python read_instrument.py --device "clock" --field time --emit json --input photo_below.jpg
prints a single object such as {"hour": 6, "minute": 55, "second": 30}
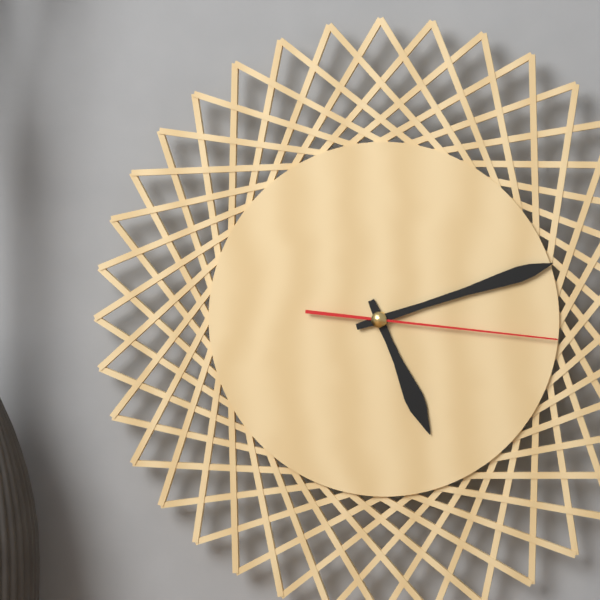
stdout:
{"hour": 5, "minute": 12, "second": 16}
